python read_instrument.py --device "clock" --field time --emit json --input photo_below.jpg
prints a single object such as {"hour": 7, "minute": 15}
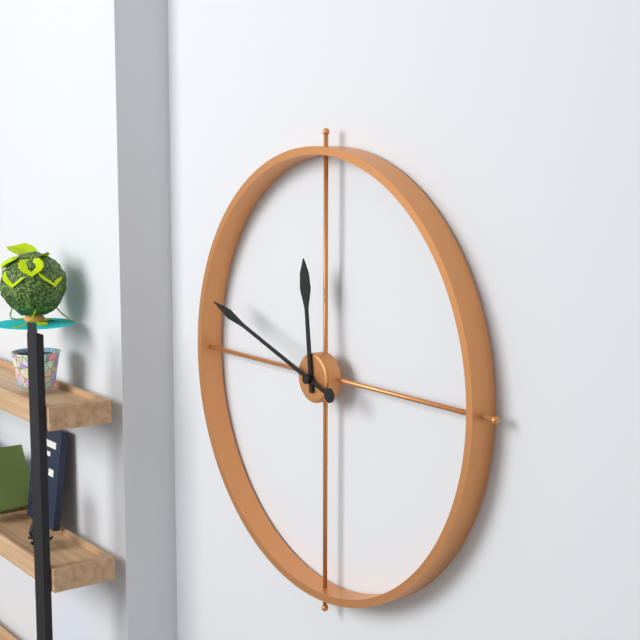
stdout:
{"hour": 11, "minute": 48}
